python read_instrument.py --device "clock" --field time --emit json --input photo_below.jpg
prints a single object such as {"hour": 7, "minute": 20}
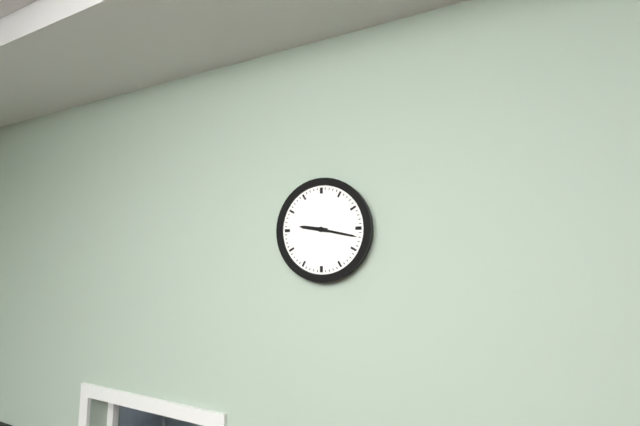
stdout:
{"hour": 9, "minute": 17}
